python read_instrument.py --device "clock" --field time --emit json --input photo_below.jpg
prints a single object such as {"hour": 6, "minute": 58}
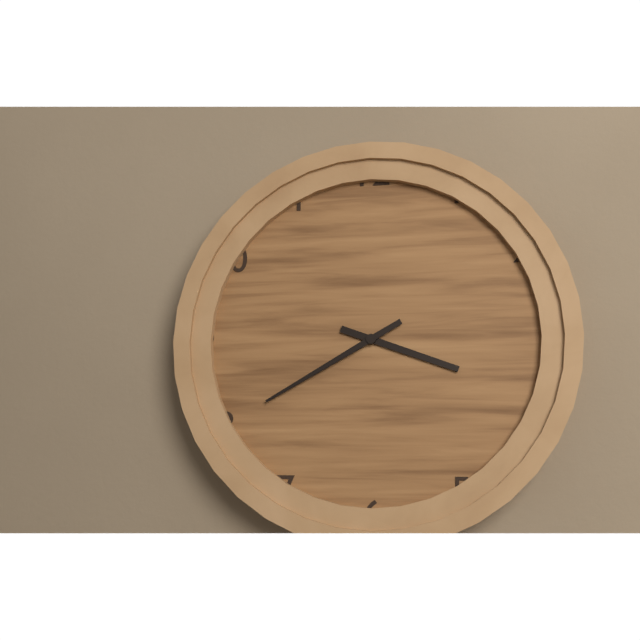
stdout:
{"hour": 3, "minute": 40}
